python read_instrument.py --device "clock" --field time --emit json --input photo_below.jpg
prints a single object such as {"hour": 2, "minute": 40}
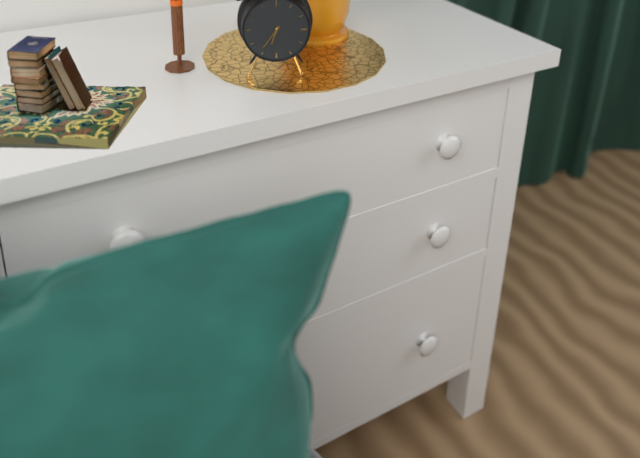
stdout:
{"hour": 6, "minute": 36}
